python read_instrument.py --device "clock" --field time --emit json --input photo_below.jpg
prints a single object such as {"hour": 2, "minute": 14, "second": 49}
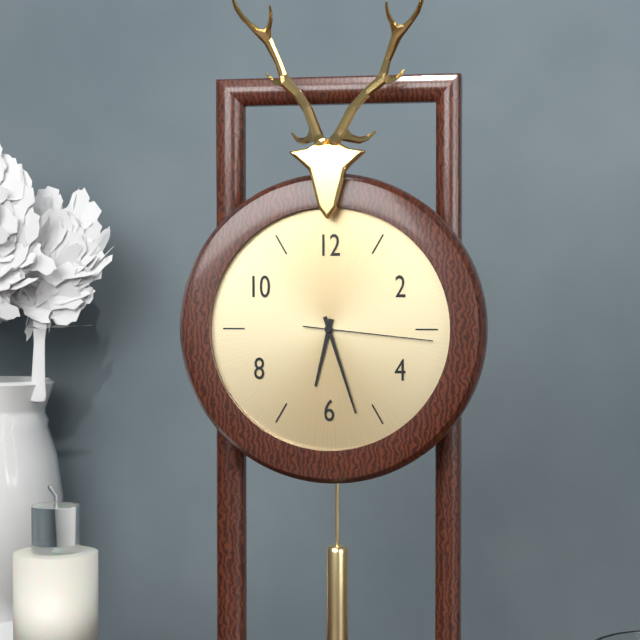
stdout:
{"hour": 6, "minute": 27, "second": 16}
